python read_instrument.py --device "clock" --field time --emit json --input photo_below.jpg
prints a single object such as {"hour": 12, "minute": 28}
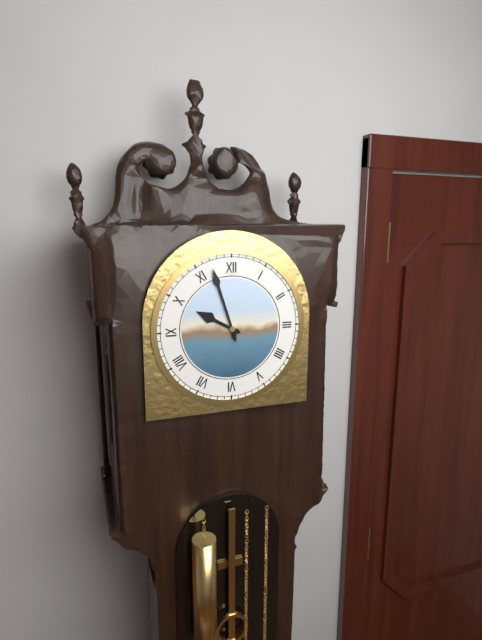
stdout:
{"hour": 9, "minute": 57}
